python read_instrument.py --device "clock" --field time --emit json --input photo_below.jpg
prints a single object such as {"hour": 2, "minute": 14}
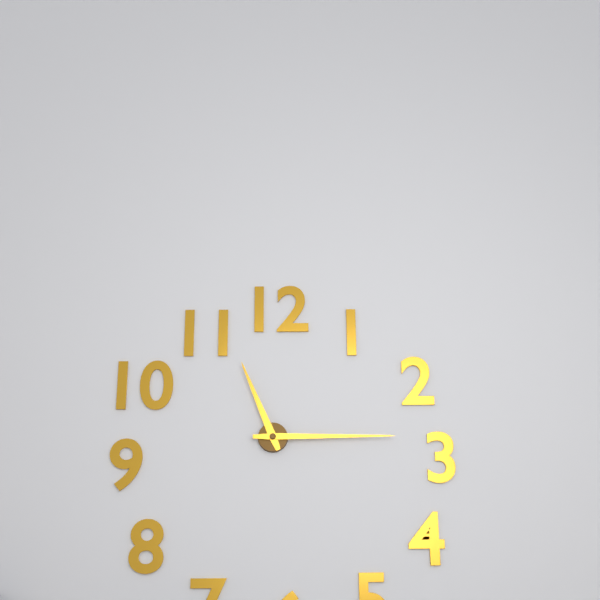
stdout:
{"hour": 11, "minute": 15}
